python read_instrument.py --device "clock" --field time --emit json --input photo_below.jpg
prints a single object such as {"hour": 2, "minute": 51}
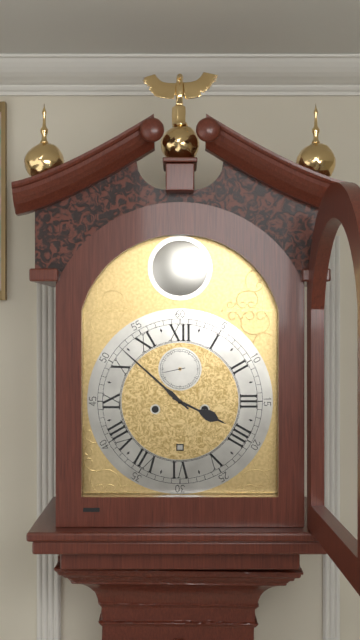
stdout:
{"hour": 3, "minute": 52}
